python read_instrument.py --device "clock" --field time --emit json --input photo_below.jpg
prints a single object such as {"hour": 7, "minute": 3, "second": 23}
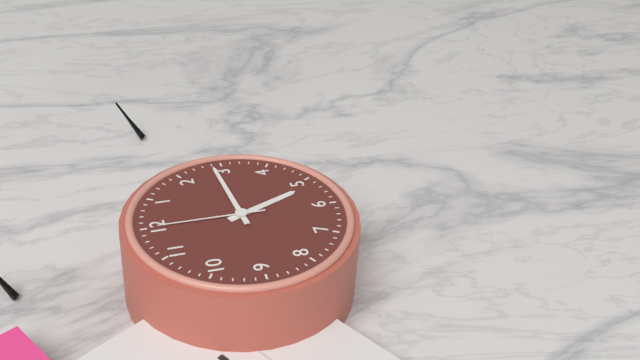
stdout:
{"hour": 5, "minute": 14, "second": 0}
